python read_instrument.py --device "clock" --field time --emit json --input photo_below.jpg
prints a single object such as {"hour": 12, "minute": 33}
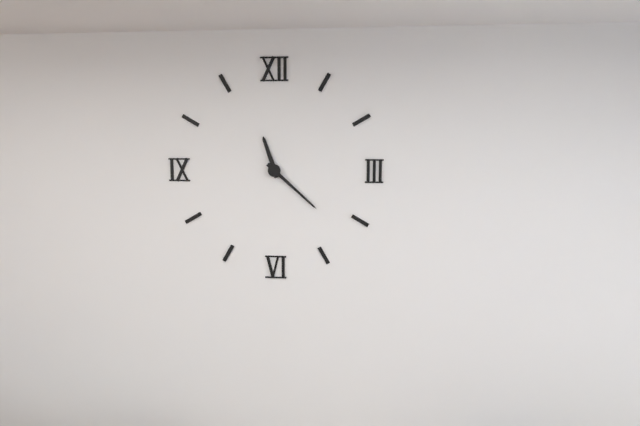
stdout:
{"hour": 11, "minute": 22}
